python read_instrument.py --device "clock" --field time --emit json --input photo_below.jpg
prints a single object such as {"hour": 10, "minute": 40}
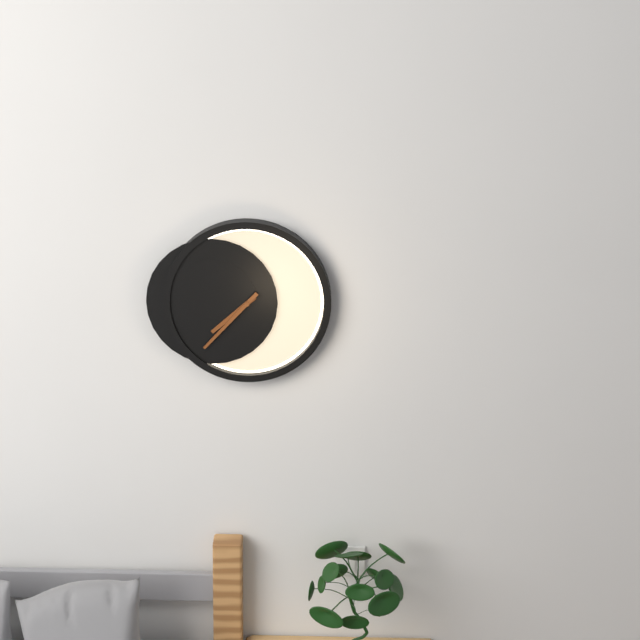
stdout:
{"hour": 7, "minute": 37}
